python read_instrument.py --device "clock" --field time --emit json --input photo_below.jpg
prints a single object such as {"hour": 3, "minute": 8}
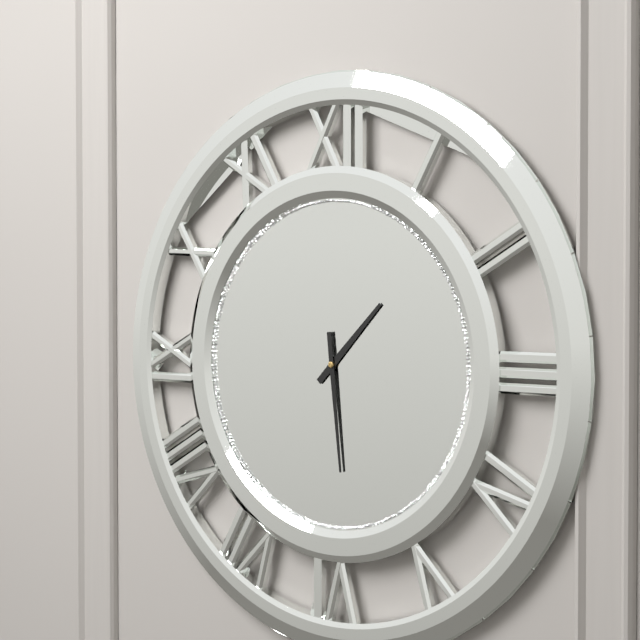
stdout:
{"hour": 1, "minute": 29}
